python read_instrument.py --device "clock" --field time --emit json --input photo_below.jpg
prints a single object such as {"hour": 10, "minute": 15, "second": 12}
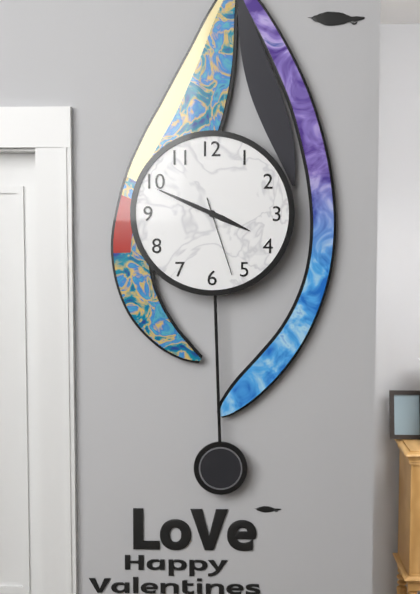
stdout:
{"hour": 3, "minute": 49, "second": 27}
